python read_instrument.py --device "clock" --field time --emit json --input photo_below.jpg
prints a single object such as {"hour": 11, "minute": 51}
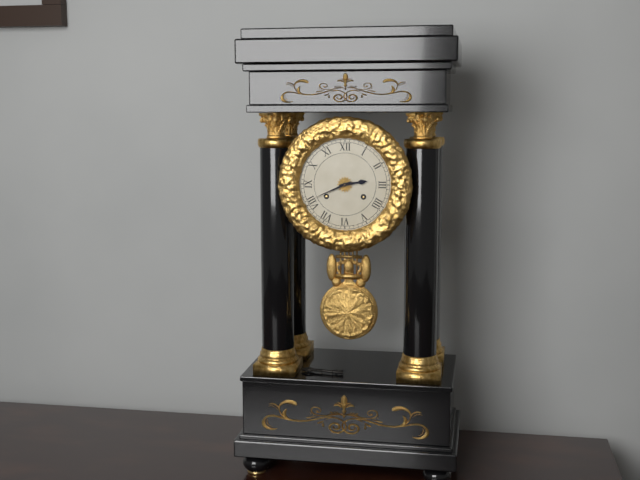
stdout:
{"hour": 2, "minute": 41}
